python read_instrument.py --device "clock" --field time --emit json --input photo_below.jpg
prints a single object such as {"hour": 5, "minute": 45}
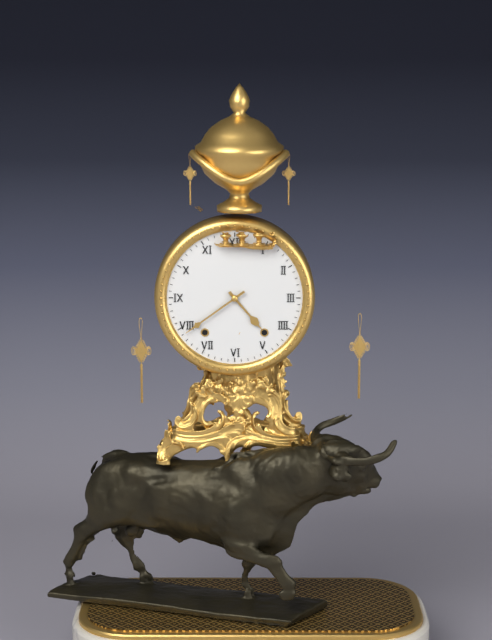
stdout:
{"hour": 4, "minute": 39}
